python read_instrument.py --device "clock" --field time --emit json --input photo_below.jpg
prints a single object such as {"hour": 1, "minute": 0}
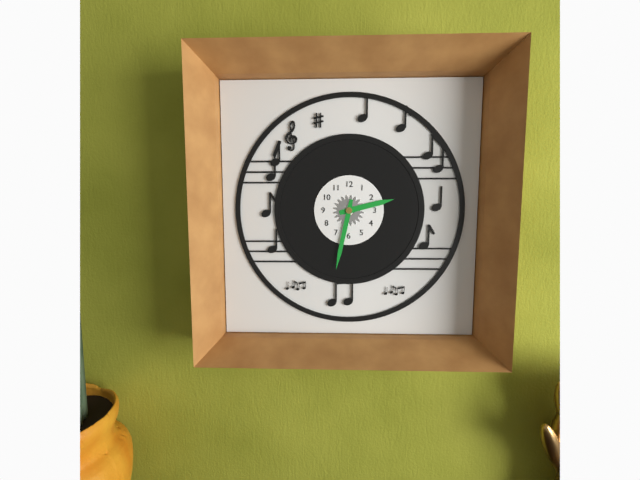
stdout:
{"hour": 2, "minute": 32}
